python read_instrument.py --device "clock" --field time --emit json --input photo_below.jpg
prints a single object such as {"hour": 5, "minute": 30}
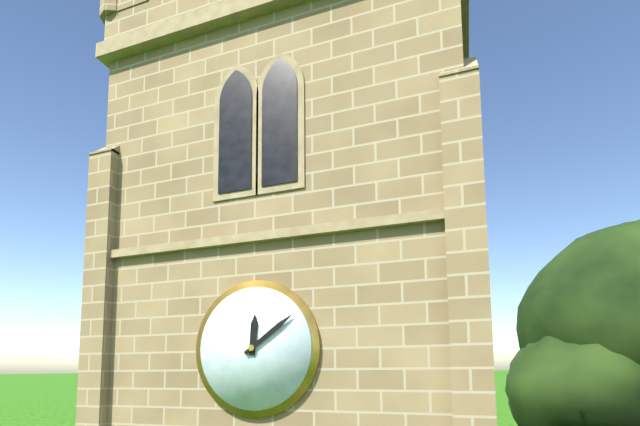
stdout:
{"hour": 12, "minute": 9}
